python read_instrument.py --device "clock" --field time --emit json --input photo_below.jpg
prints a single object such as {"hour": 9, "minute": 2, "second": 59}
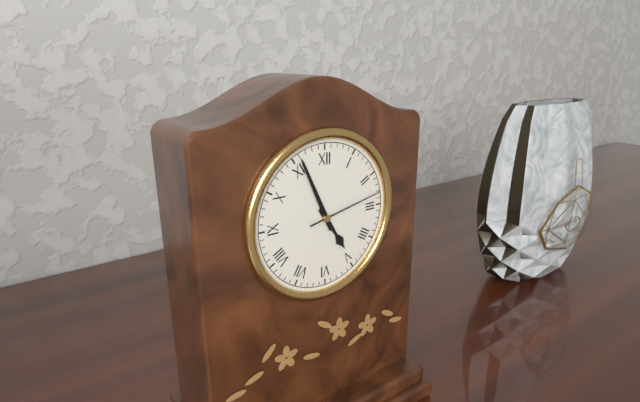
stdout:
{"hour": 4, "minute": 56, "second": 13}
